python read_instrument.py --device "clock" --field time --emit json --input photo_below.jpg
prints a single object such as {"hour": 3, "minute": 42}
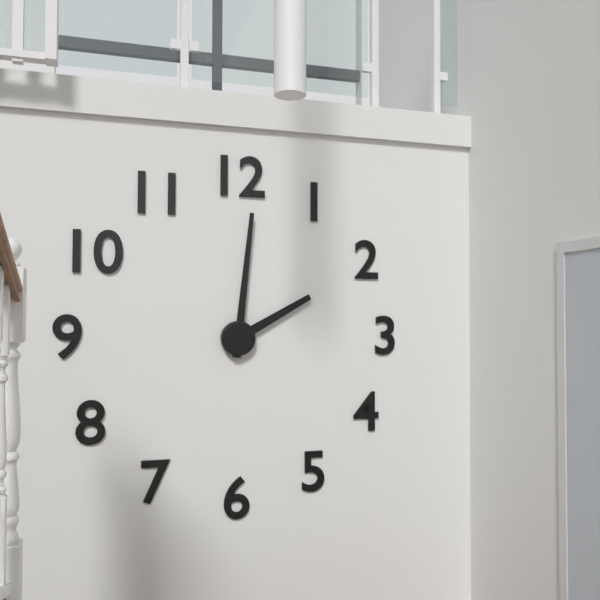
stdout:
{"hour": 2, "minute": 1}
